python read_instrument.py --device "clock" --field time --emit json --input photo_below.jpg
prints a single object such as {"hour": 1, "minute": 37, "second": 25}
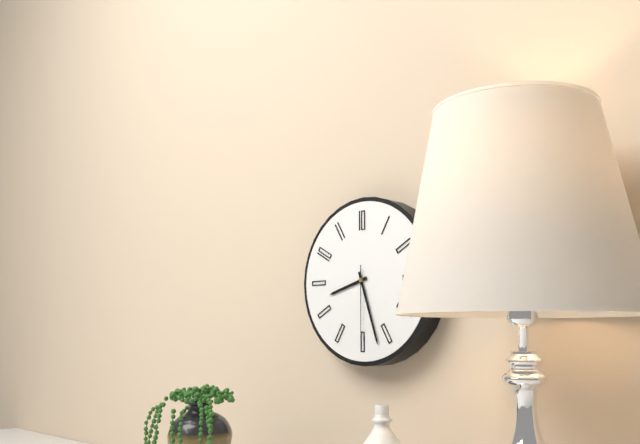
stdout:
{"hour": 8, "minute": 27, "second": 30}
